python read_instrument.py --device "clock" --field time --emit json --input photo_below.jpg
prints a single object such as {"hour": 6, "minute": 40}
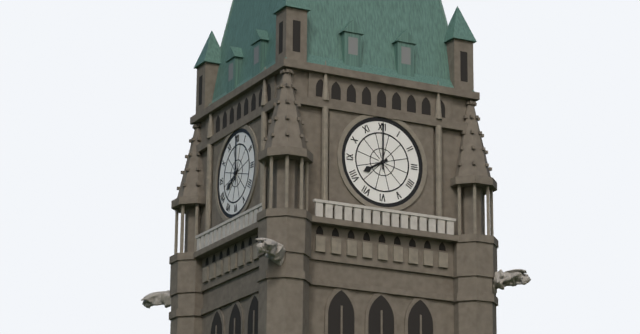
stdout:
{"hour": 8, "minute": 0}
